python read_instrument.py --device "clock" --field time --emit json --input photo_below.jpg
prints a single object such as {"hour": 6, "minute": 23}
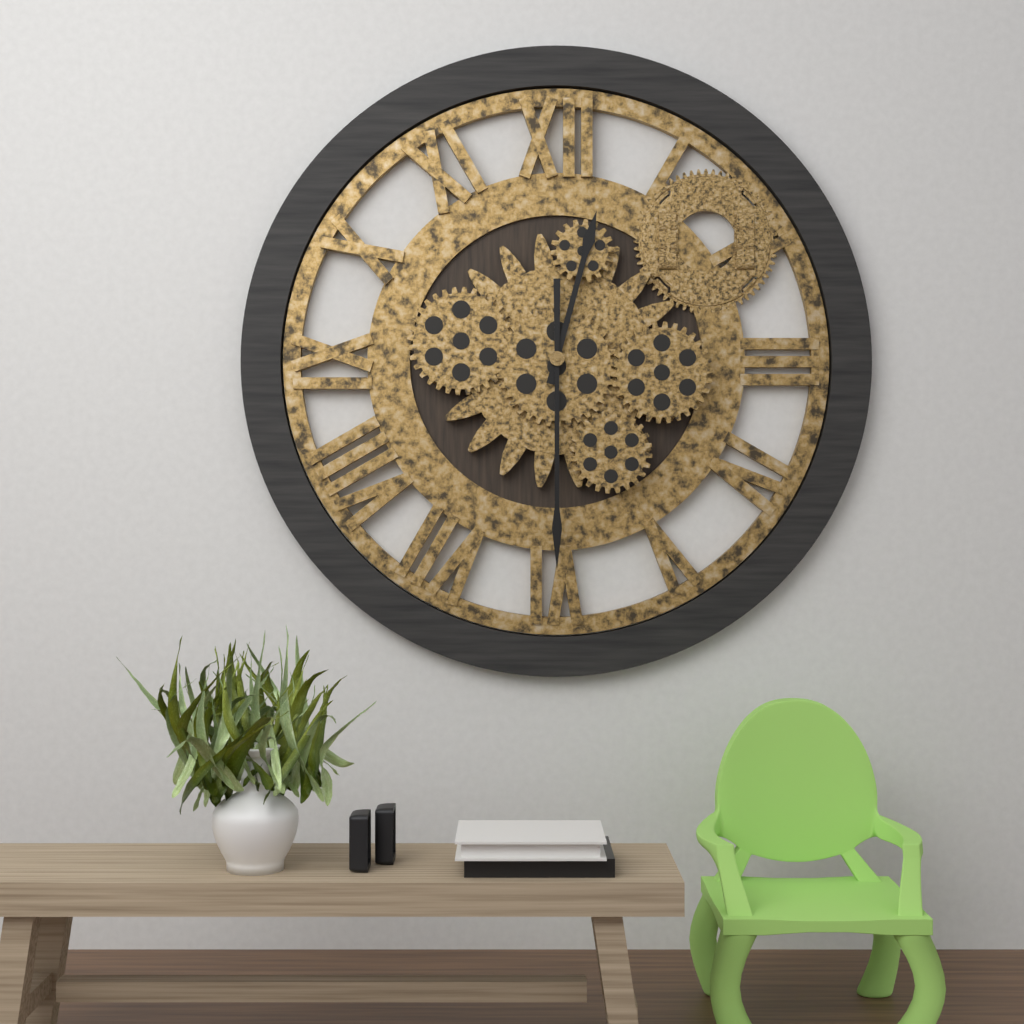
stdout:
{"hour": 12, "minute": 30}
